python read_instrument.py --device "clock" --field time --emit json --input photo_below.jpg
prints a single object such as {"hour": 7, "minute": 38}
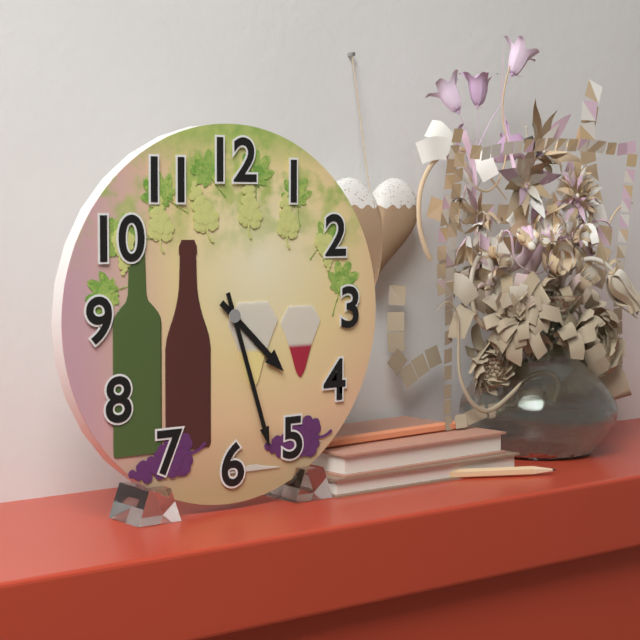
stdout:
{"hour": 4, "minute": 27}
